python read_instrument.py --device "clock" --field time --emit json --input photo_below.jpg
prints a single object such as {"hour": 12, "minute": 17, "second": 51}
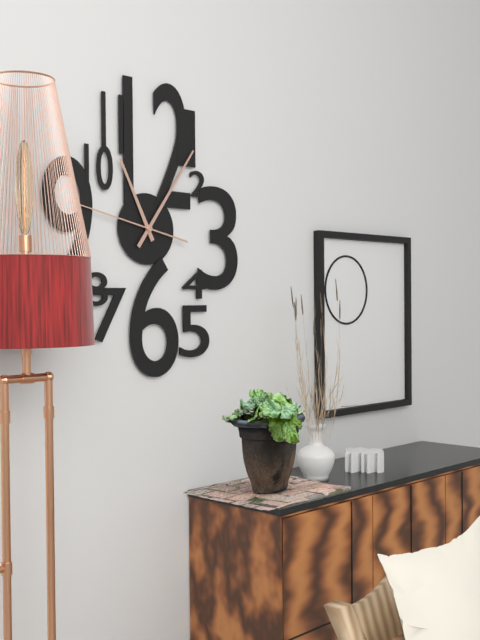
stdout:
{"hour": 11, "minute": 6, "second": 47}
